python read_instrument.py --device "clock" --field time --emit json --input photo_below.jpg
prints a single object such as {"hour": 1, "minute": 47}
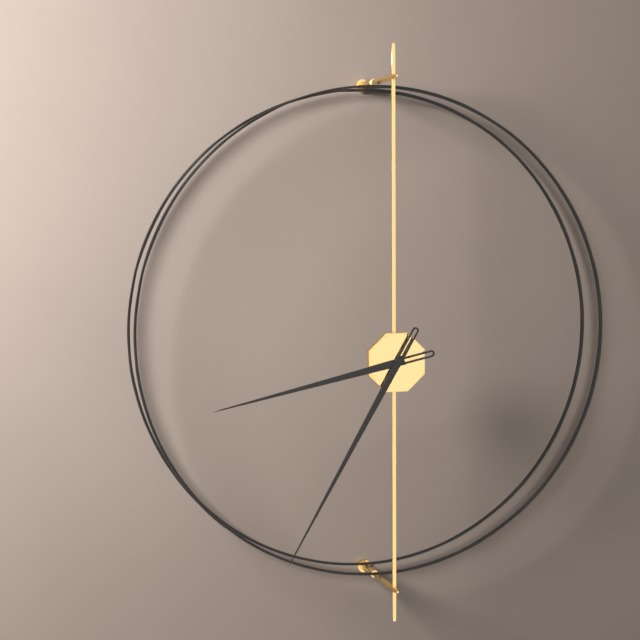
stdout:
{"hour": 8, "minute": 35}
